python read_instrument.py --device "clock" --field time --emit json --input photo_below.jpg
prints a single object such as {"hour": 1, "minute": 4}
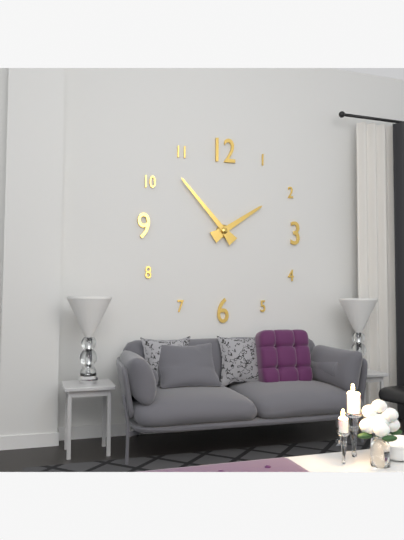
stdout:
{"hour": 1, "minute": 53}
